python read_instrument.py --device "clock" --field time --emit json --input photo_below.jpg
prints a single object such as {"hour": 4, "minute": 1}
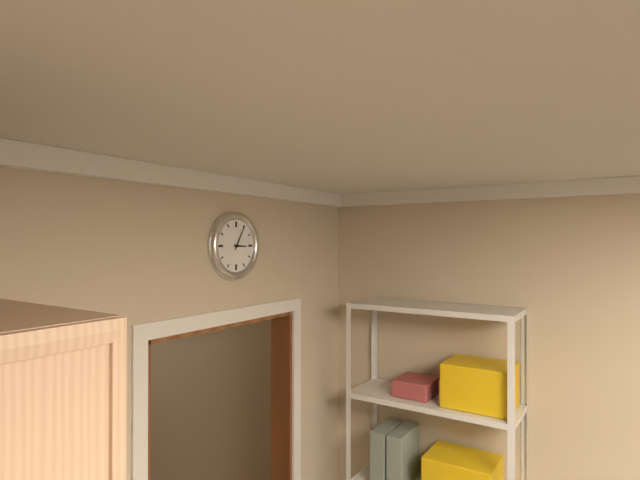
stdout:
{"hour": 3, "minute": 5}
